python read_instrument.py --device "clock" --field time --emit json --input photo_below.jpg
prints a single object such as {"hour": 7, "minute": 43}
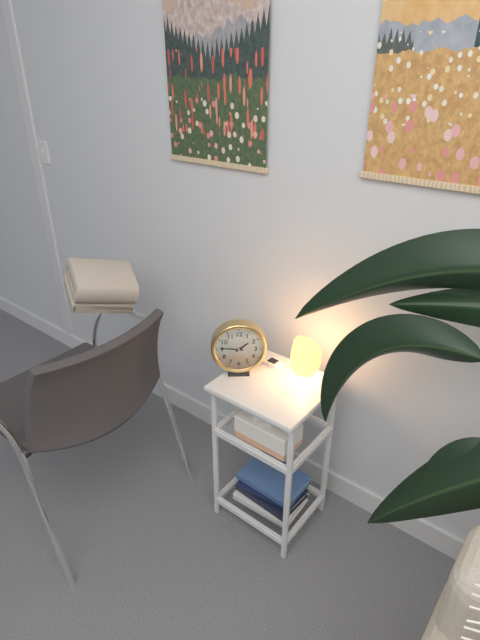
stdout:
{"hour": 1, "minute": 46}
